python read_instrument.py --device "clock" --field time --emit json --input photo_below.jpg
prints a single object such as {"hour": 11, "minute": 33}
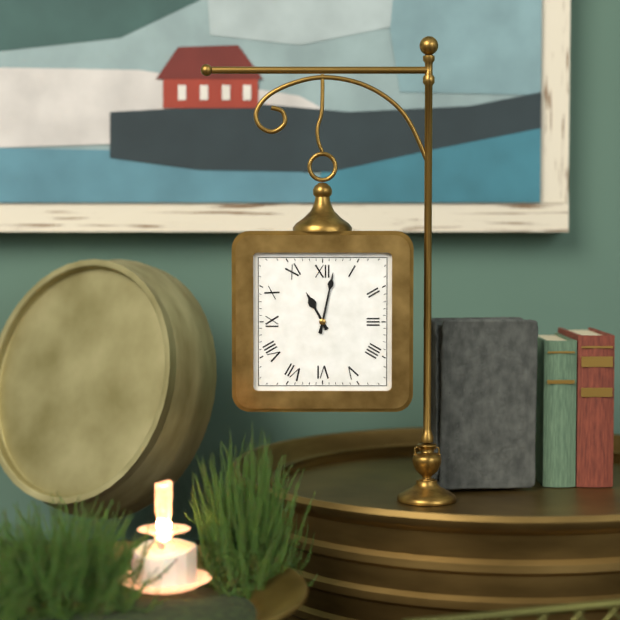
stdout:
{"hour": 11, "minute": 2}
